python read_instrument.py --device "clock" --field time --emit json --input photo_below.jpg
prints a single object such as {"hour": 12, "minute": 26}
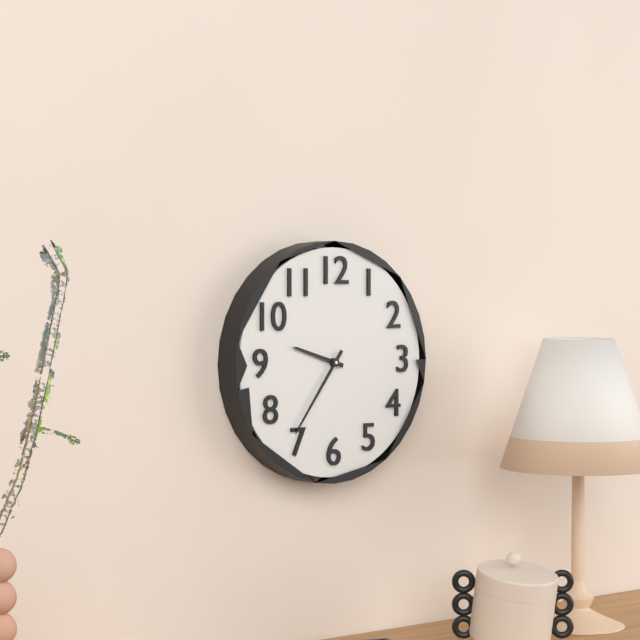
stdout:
{"hour": 9, "minute": 36}
